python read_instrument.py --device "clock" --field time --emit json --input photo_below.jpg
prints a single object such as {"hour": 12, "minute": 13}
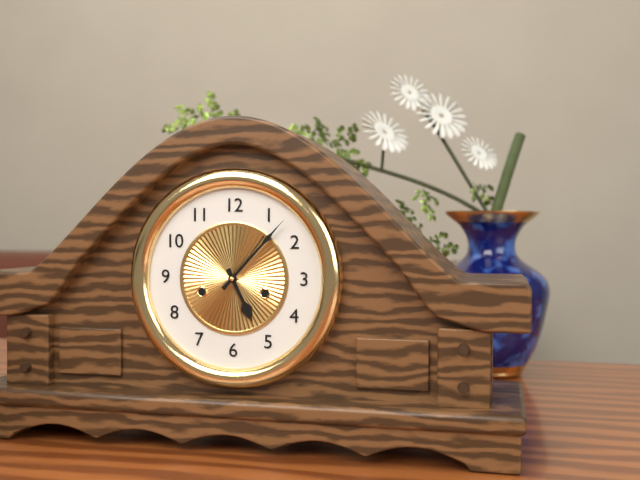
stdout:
{"hour": 5, "minute": 7}
